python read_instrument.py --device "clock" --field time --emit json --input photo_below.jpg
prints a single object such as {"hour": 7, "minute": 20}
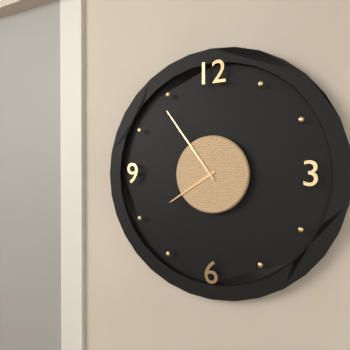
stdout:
{"hour": 7, "minute": 54}
